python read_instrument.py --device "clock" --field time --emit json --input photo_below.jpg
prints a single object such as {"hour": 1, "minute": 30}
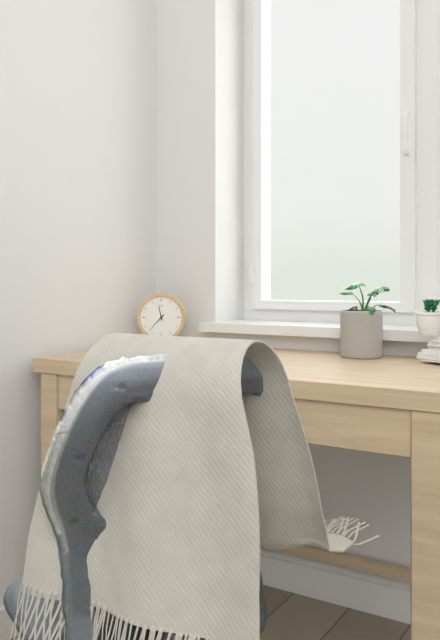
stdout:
{"hour": 11, "minute": 37}
